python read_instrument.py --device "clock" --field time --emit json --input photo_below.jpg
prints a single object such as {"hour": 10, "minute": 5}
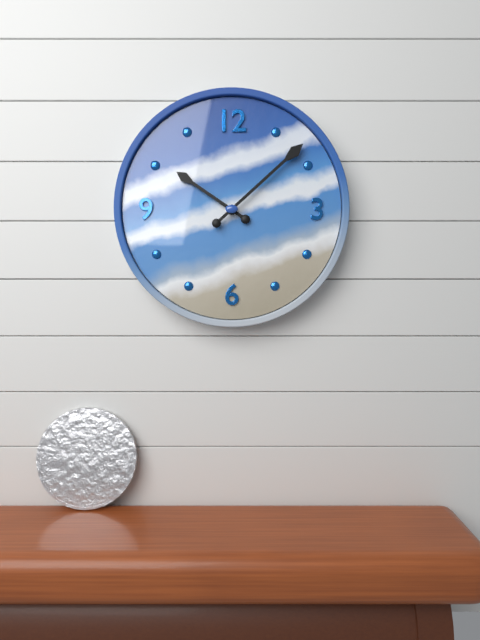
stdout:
{"hour": 10, "minute": 8}
